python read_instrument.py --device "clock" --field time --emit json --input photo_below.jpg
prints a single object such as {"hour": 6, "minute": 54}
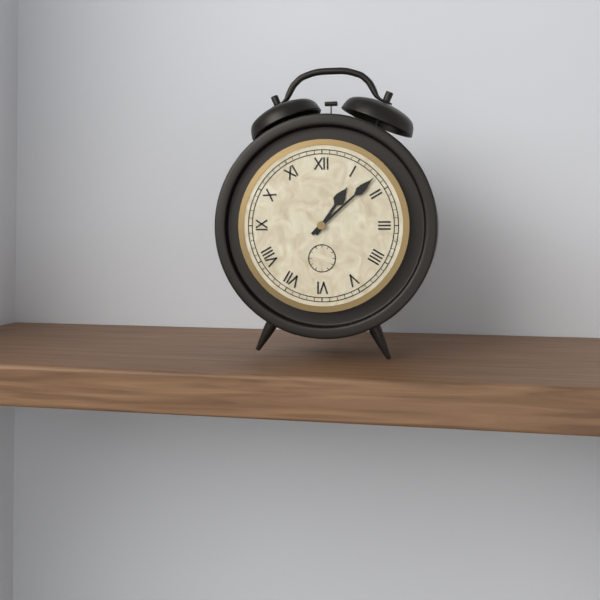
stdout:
{"hour": 1, "minute": 8}
